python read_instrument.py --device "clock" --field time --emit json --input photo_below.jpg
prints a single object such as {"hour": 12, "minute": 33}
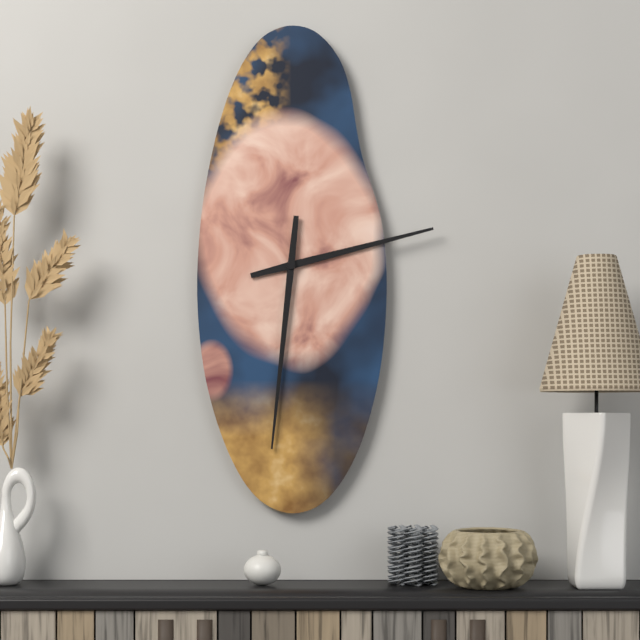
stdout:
{"hour": 2, "minute": 31}
